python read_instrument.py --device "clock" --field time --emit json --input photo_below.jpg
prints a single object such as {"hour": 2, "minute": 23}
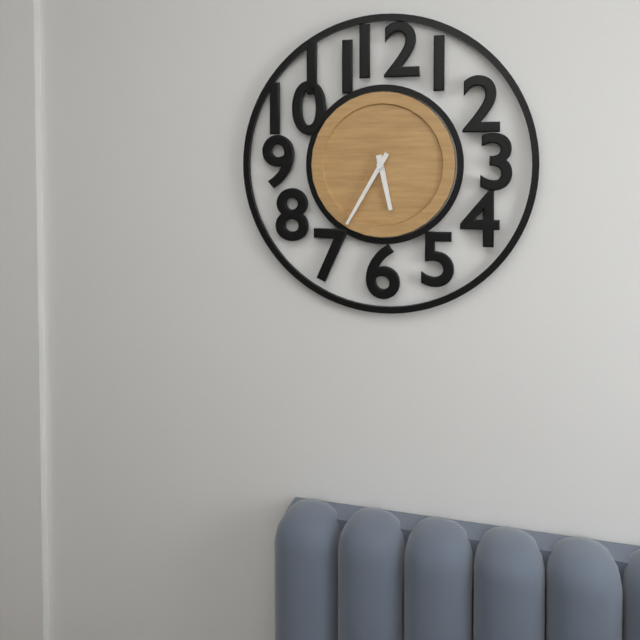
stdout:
{"hour": 5, "minute": 35}
